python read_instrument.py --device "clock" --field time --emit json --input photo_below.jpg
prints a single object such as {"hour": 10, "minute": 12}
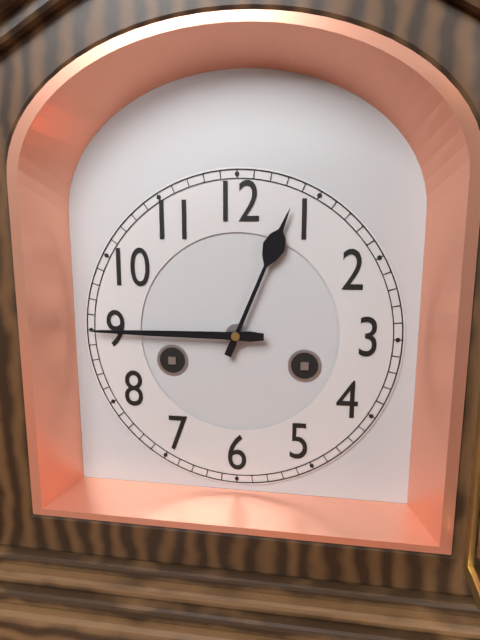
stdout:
{"hour": 12, "minute": 45}
